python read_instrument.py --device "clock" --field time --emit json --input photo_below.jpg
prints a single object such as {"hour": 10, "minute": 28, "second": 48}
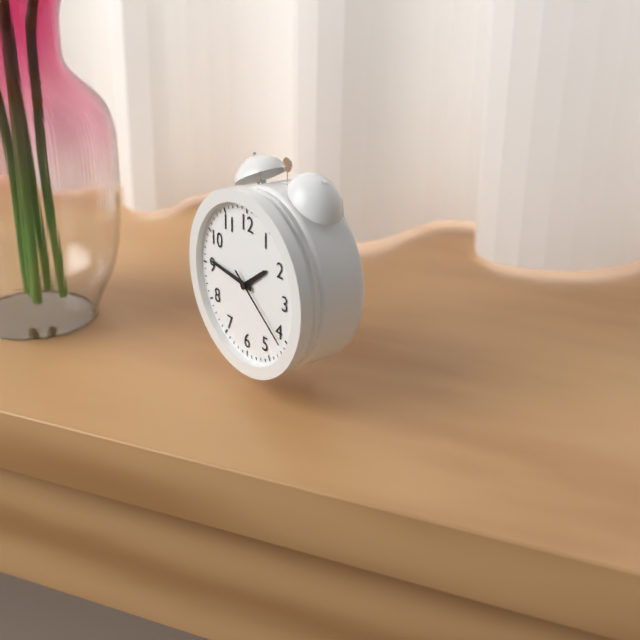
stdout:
{"hour": 1, "minute": 46, "second": 21}
